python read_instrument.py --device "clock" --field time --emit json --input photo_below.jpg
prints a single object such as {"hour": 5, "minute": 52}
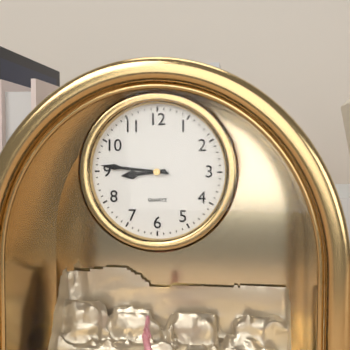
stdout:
{"hour": 8, "minute": 46}
